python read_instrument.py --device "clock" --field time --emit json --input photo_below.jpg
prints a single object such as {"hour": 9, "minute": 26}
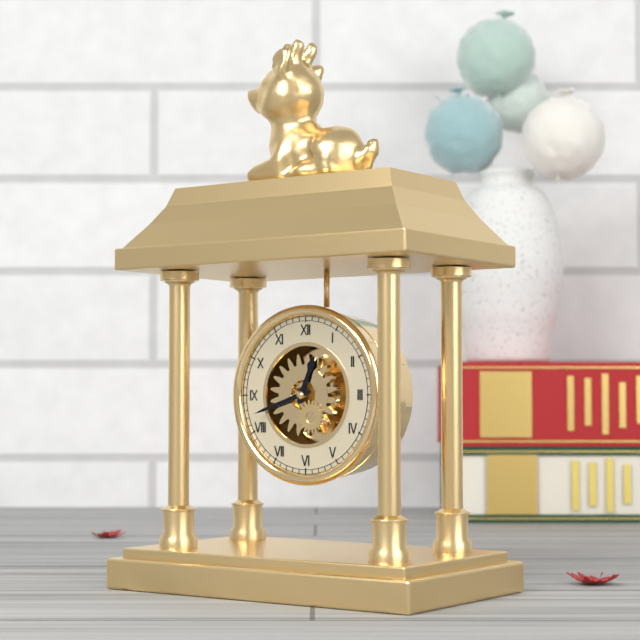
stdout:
{"hour": 12, "minute": 42}
